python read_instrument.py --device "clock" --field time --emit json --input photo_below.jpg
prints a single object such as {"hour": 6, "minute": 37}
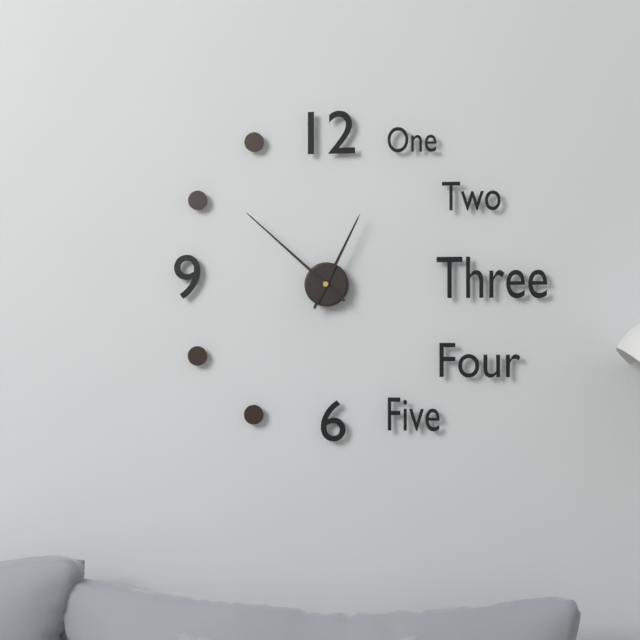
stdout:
{"hour": 12, "minute": 52}
